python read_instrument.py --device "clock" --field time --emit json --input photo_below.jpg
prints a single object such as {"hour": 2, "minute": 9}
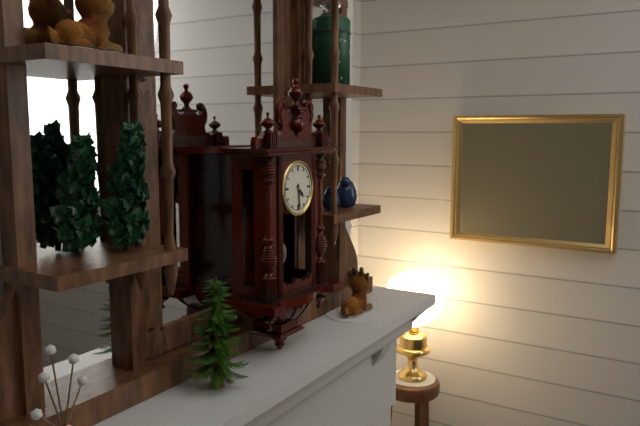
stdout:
{"hour": 4, "minute": 29}
